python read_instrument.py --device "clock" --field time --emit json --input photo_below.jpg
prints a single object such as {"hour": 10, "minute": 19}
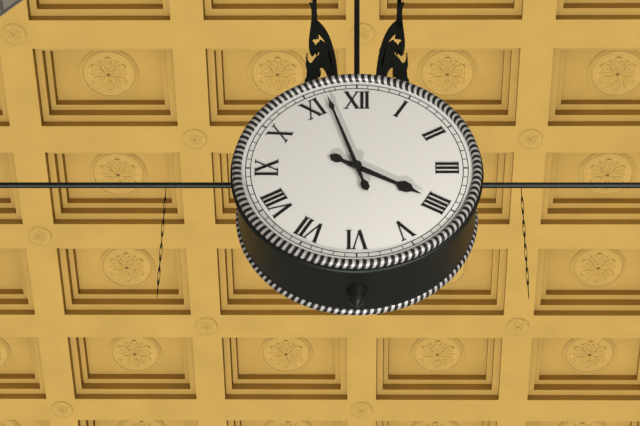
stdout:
{"hour": 3, "minute": 57}
